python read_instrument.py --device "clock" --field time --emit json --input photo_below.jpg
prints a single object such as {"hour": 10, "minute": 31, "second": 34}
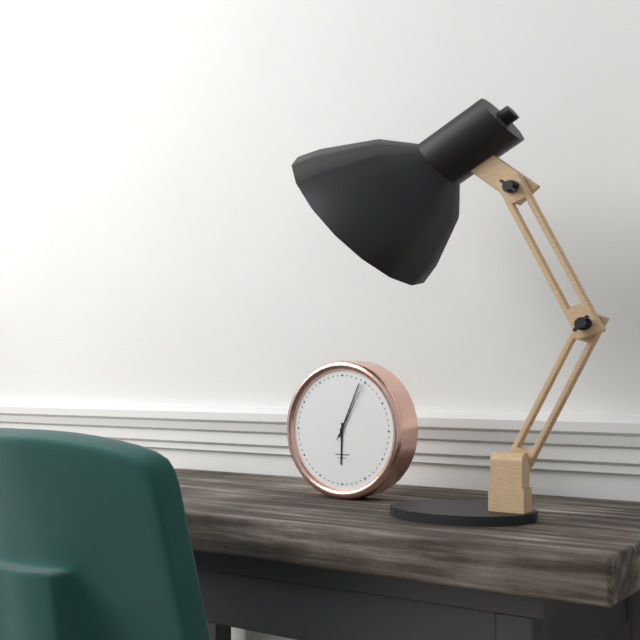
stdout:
{"hour": 6, "minute": 4, "second": 5}
